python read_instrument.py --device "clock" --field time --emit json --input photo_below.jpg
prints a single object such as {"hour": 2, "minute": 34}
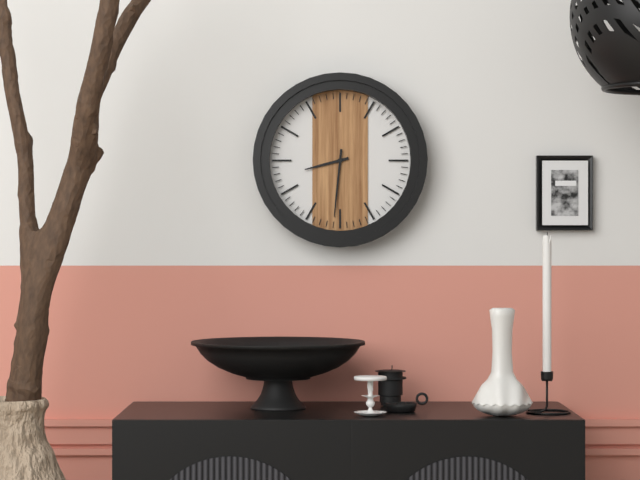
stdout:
{"hour": 8, "minute": 31}
